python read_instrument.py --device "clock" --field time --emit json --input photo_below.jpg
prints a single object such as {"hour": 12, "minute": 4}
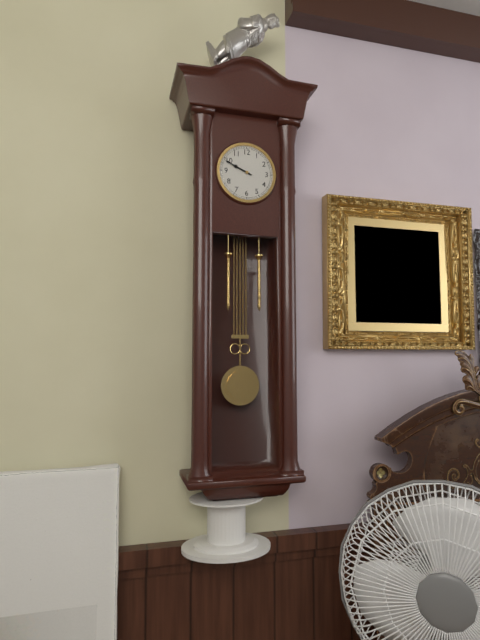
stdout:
{"hour": 9, "minute": 49}
